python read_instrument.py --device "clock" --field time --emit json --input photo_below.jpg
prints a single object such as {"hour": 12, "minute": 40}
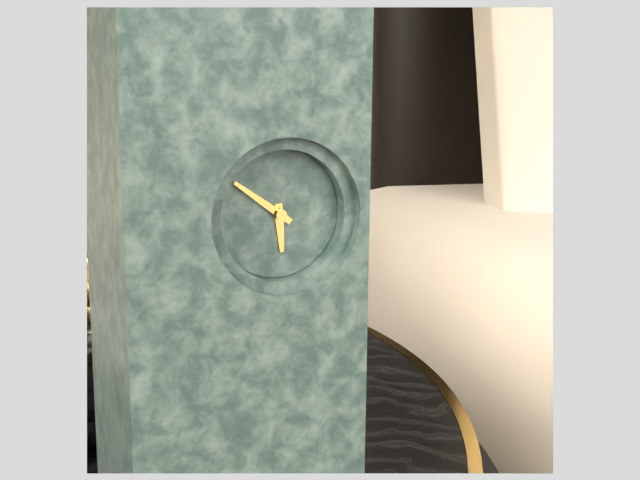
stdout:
{"hour": 5, "minute": 51}
